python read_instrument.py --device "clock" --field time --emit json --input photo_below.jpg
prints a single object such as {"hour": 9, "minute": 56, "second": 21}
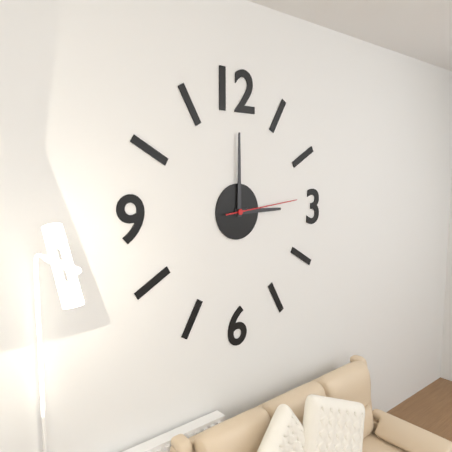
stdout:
{"hour": 3, "minute": 0, "second": 14}
